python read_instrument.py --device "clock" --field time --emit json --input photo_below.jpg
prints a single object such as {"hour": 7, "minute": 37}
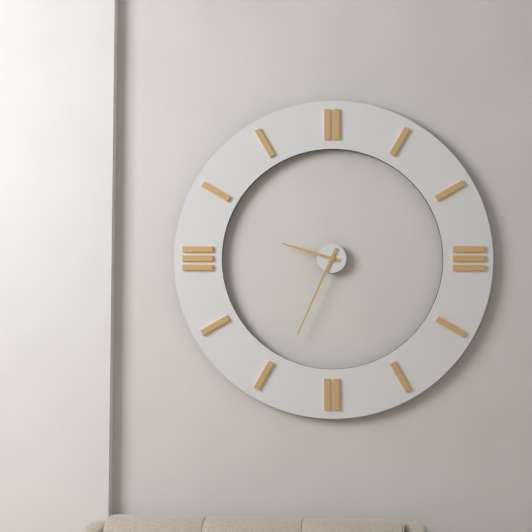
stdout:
{"hour": 9, "minute": 34}
